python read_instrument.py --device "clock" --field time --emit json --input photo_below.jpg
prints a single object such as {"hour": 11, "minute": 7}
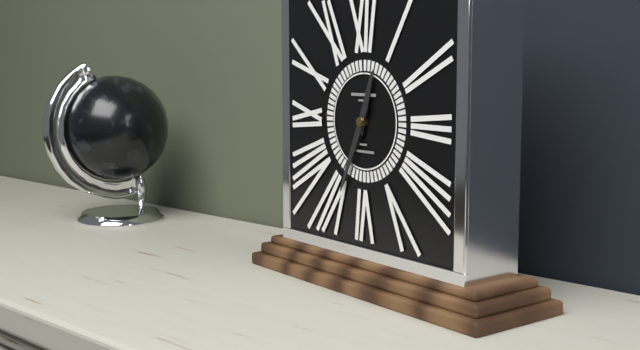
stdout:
{"hour": 12, "minute": 34}
